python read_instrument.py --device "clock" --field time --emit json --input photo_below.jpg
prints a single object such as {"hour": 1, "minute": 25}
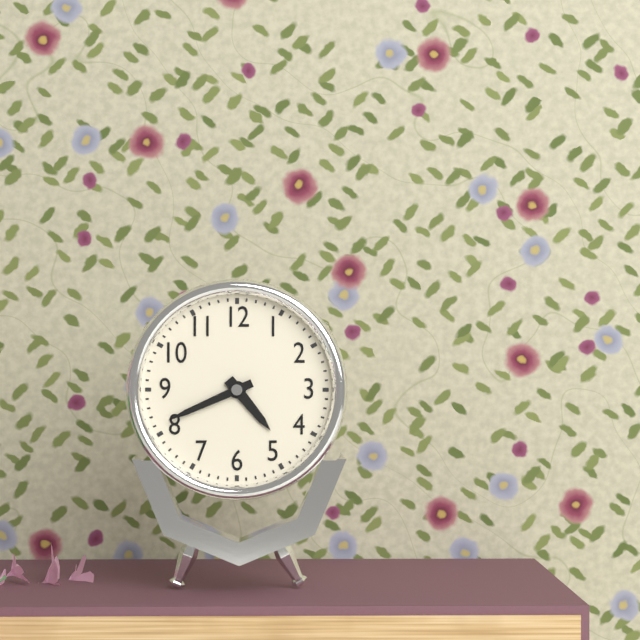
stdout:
{"hour": 4, "minute": 41}
